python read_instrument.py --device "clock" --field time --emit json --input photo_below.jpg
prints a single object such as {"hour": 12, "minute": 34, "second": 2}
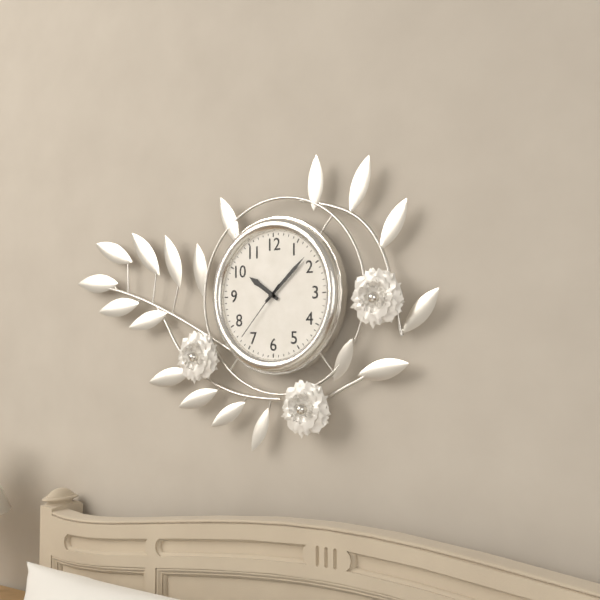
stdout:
{"hour": 10, "minute": 8, "second": 37}
